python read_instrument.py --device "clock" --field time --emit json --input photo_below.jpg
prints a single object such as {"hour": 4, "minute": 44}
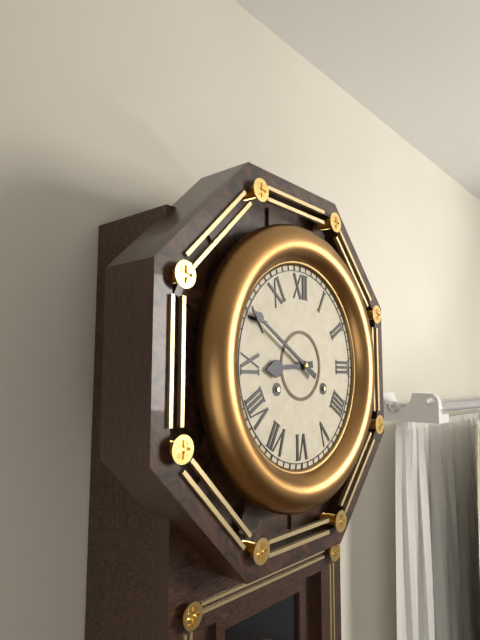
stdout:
{"hour": 8, "minute": 50}
